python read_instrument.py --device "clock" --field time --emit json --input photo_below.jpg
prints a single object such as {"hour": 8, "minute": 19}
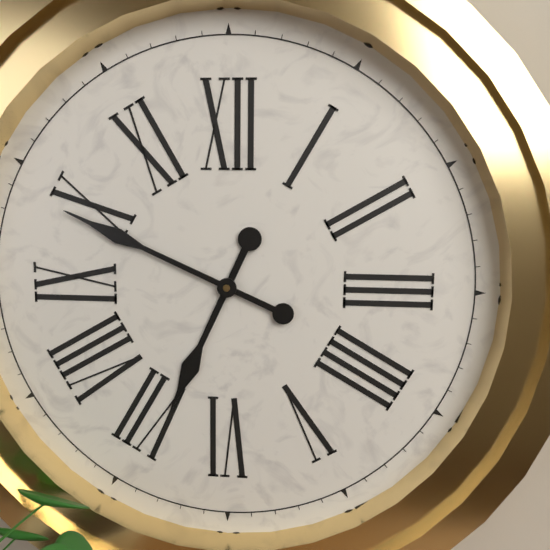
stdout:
{"hour": 6, "minute": 49}
